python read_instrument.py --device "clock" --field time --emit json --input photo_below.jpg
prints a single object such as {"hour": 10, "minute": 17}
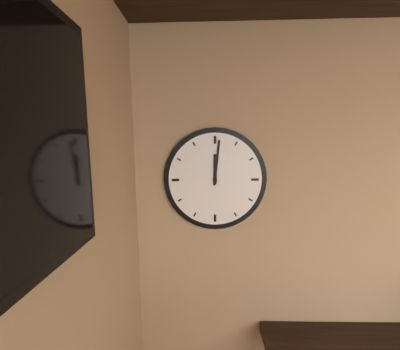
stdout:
{"hour": 12, "minute": 1}
